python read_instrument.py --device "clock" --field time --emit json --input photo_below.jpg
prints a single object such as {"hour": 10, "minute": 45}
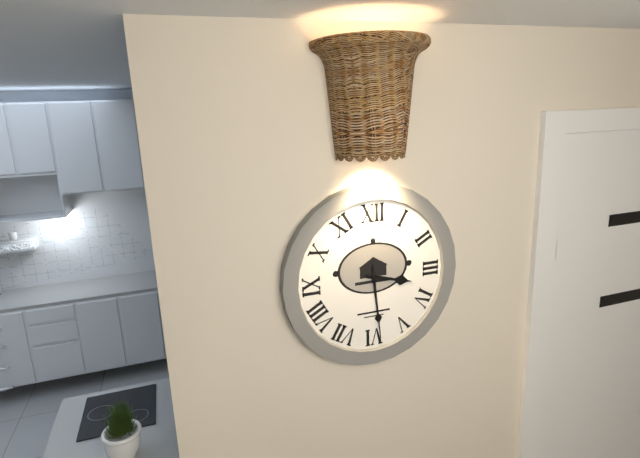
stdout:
{"hour": 3, "minute": 29}
